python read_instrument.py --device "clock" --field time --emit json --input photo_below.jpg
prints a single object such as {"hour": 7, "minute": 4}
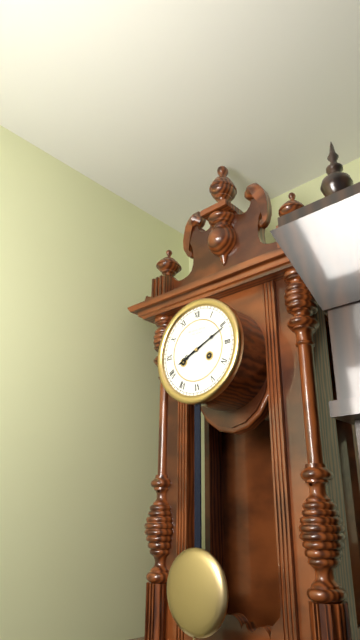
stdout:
{"hour": 8, "minute": 11}
